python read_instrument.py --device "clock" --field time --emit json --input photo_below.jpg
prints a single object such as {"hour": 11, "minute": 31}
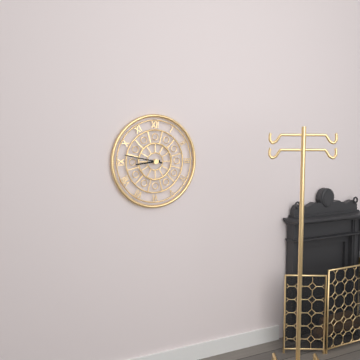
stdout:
{"hour": 8, "minute": 47}
